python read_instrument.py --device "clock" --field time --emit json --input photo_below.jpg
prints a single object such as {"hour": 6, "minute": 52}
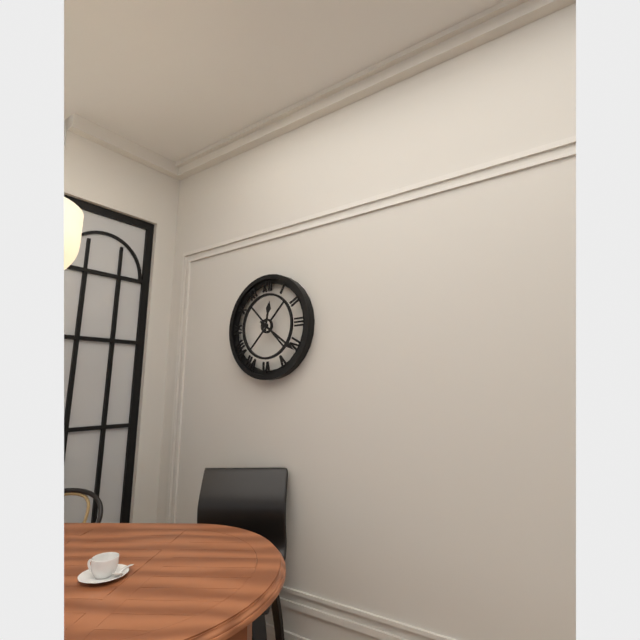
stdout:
{"hour": 12, "minute": 21}
